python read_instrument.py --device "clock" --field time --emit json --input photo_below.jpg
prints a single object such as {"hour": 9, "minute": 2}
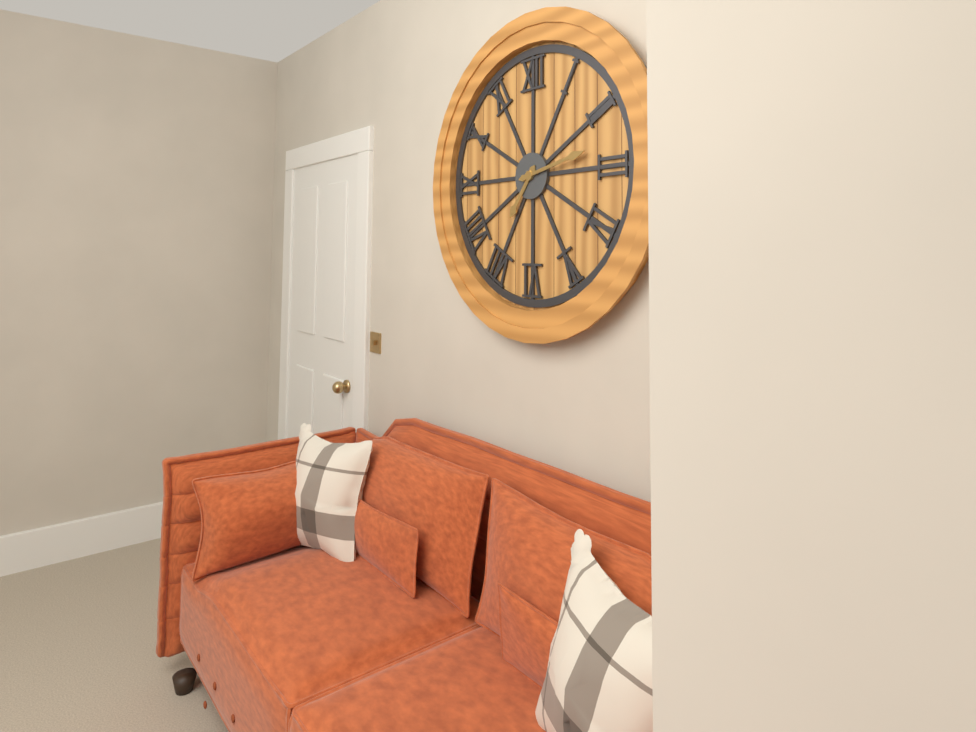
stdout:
{"hour": 7, "minute": 13}
